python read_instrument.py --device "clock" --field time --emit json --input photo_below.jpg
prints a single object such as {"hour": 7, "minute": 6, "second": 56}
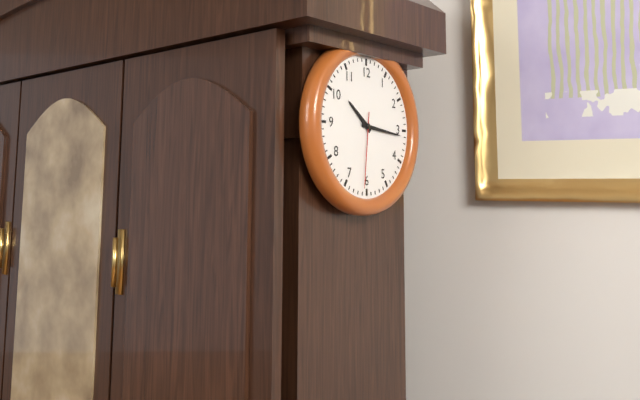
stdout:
{"hour": 10, "minute": 16, "second": 31}
